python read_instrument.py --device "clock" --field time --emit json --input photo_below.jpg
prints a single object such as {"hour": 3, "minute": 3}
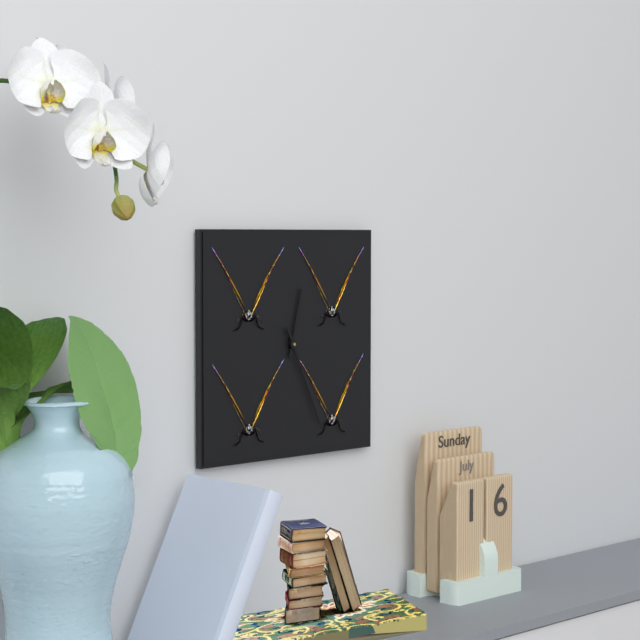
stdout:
{"hour": 12, "minute": 26}
